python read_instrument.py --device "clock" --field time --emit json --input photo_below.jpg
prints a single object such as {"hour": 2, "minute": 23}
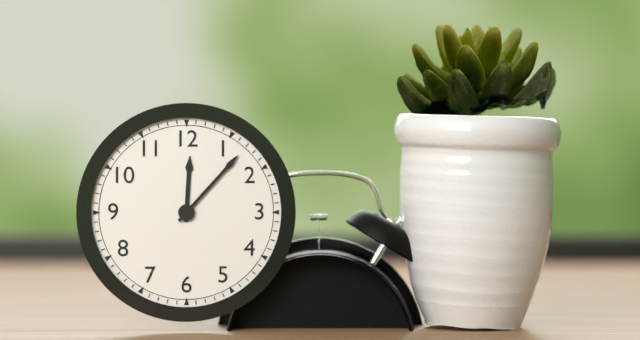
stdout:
{"hour": 12, "minute": 7}
